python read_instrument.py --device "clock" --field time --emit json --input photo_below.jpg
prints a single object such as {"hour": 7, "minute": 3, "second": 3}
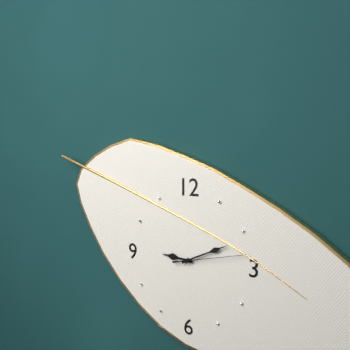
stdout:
{"hour": 9, "minute": 11, "second": 13}
